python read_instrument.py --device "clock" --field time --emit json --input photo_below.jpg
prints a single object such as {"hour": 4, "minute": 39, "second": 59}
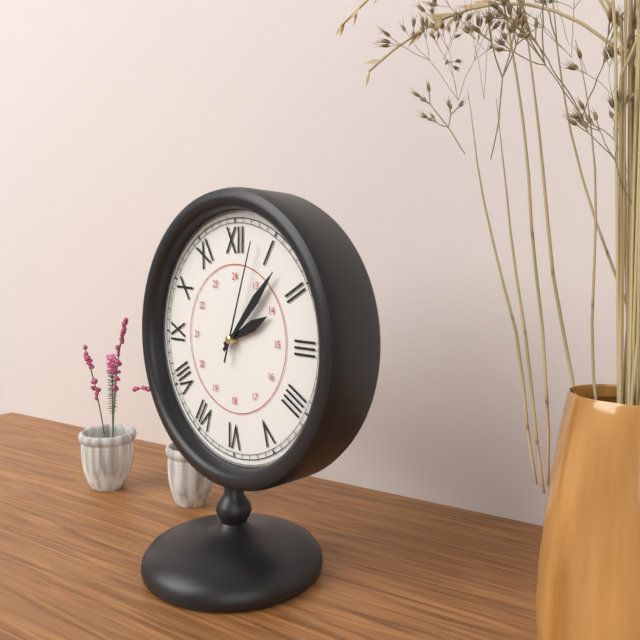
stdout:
{"hour": 2, "minute": 7, "second": 3}
